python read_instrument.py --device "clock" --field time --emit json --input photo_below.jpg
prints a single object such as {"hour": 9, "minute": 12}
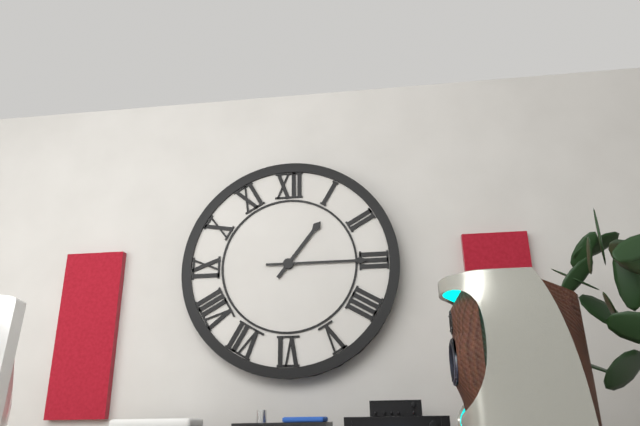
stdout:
{"hour": 1, "minute": 15}
